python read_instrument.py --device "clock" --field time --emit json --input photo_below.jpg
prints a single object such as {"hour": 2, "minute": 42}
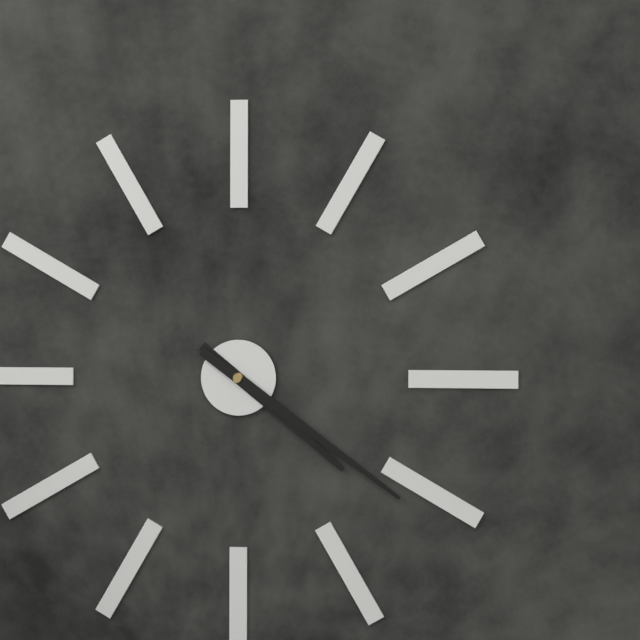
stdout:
{"hour": 4, "minute": 21}
